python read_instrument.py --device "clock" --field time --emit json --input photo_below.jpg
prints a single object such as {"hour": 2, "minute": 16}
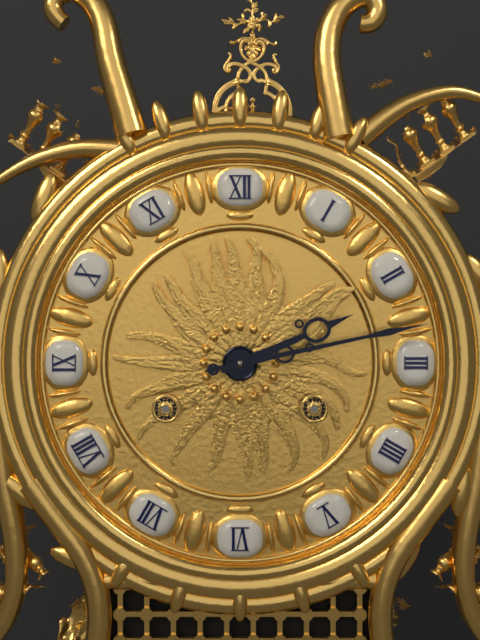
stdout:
{"hour": 2, "minute": 13}
